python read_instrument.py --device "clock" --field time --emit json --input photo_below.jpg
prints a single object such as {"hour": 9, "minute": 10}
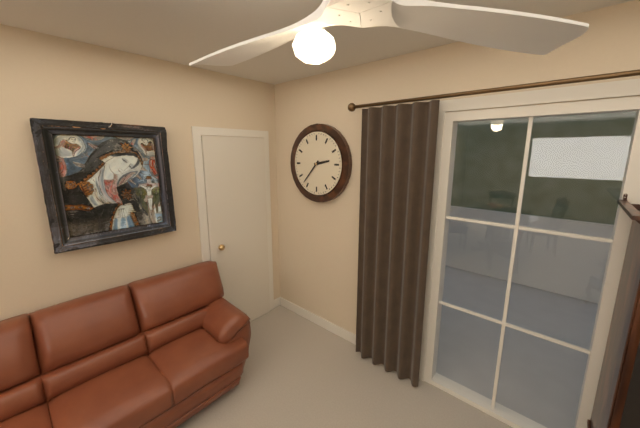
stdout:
{"hour": 2, "minute": 37}
